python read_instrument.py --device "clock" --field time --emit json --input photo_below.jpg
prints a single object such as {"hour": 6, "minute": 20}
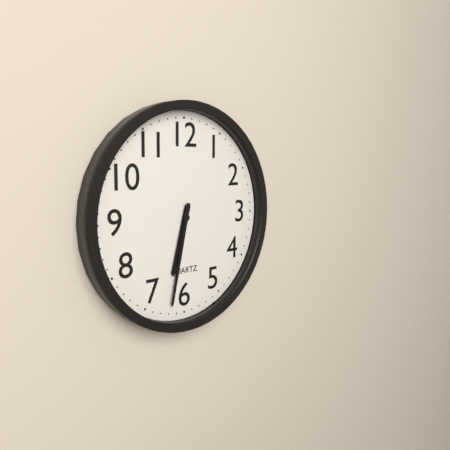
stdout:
{"hour": 6, "minute": 32}
